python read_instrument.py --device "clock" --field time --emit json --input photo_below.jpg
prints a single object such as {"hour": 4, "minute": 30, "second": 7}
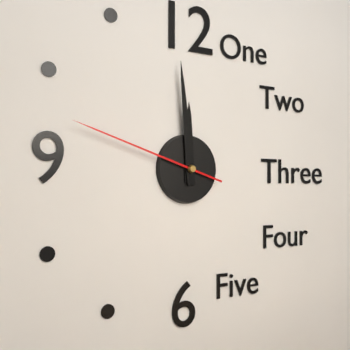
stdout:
{"hour": 11, "minute": 59, "second": 48}
